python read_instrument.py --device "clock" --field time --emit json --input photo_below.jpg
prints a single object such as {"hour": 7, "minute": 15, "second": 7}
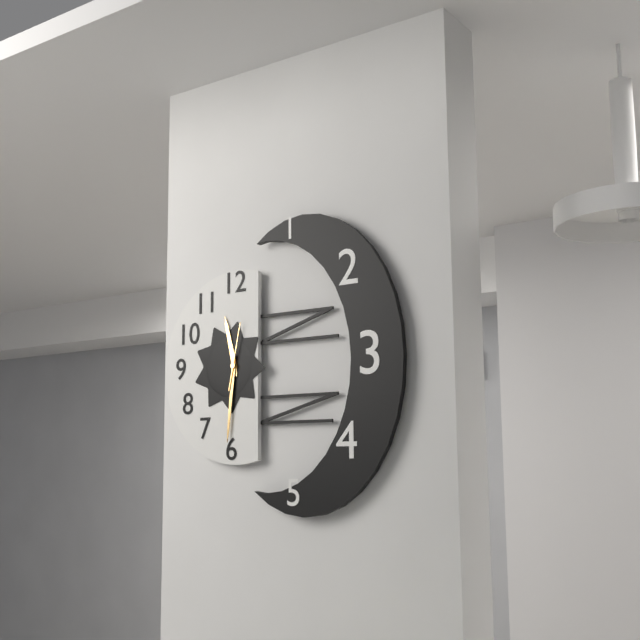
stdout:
{"hour": 11, "minute": 31, "second": 2}
